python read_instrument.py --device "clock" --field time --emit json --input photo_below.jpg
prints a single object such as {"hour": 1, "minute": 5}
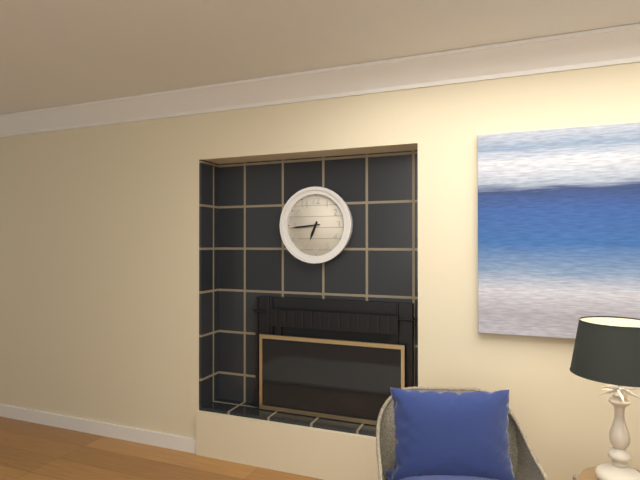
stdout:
{"hour": 6, "minute": 44}
